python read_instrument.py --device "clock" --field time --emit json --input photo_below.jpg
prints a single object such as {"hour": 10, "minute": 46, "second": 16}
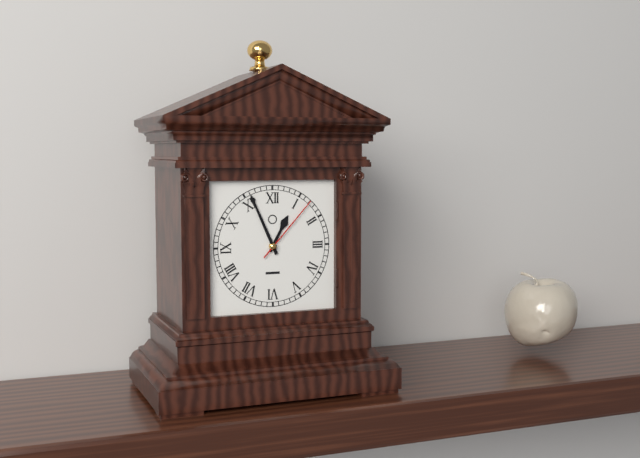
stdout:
{"hour": 12, "minute": 56, "second": 7}
